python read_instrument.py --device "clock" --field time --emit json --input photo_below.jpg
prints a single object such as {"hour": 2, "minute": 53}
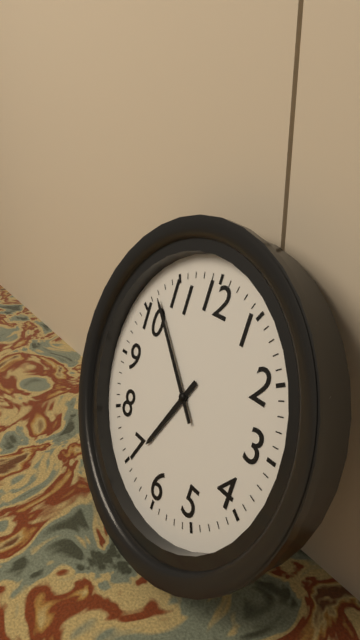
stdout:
{"hour": 6, "minute": 52}
